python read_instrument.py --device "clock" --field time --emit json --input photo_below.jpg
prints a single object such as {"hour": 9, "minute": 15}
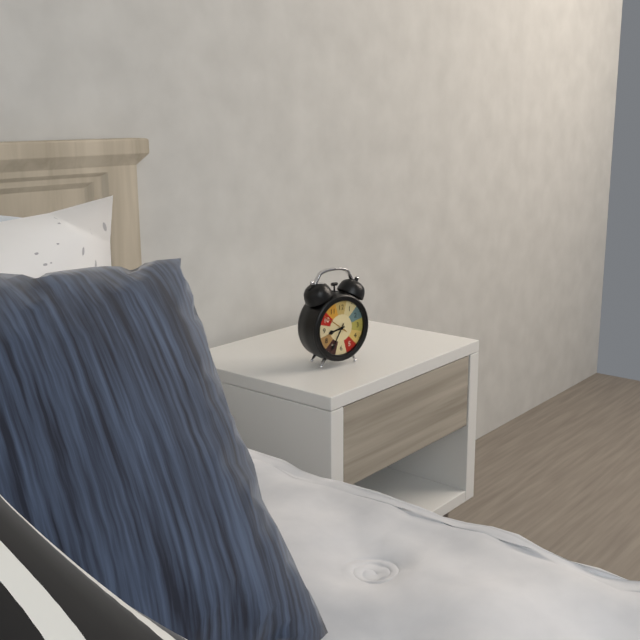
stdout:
{"hour": 8, "minute": 35}
